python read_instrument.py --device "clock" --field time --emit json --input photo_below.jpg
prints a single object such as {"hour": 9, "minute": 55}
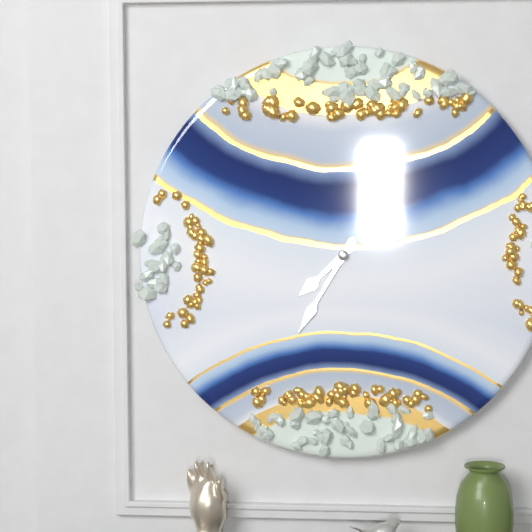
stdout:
{"hour": 7, "minute": 35}
